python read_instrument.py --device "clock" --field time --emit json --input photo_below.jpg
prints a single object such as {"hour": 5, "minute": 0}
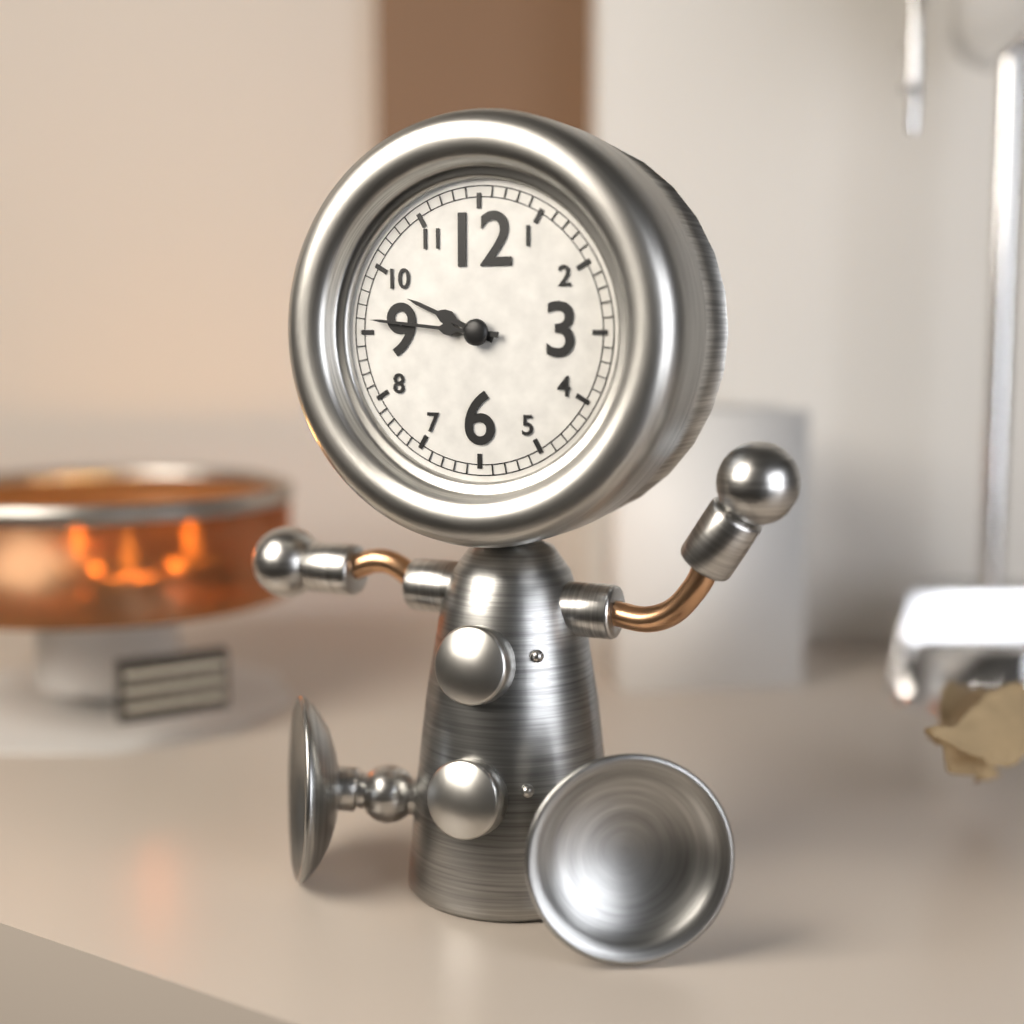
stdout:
{"hour": 9, "minute": 46}
